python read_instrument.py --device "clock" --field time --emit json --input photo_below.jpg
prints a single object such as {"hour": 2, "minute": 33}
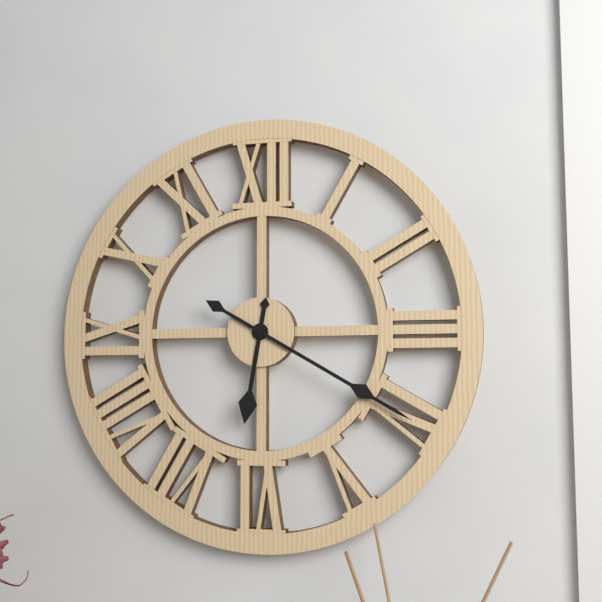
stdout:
{"hour": 6, "minute": 20}
